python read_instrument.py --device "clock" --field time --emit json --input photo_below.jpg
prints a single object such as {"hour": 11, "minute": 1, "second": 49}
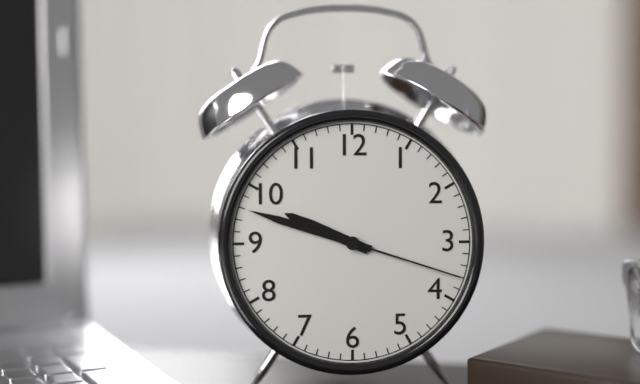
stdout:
{"hour": 9, "minute": 48, "second": 18}
